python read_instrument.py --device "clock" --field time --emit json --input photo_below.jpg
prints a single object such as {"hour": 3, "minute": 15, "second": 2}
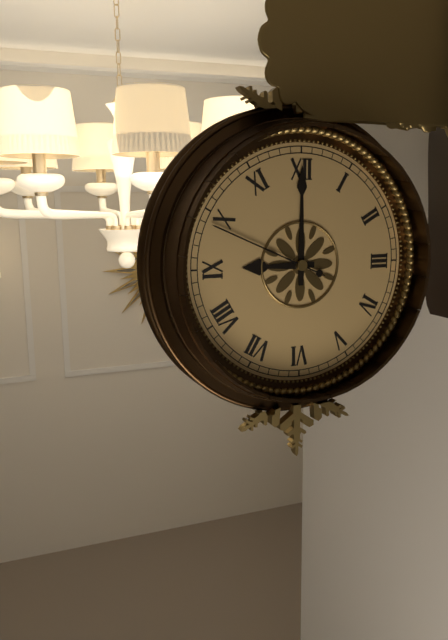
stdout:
{"hour": 9, "minute": 0, "second": 49}
